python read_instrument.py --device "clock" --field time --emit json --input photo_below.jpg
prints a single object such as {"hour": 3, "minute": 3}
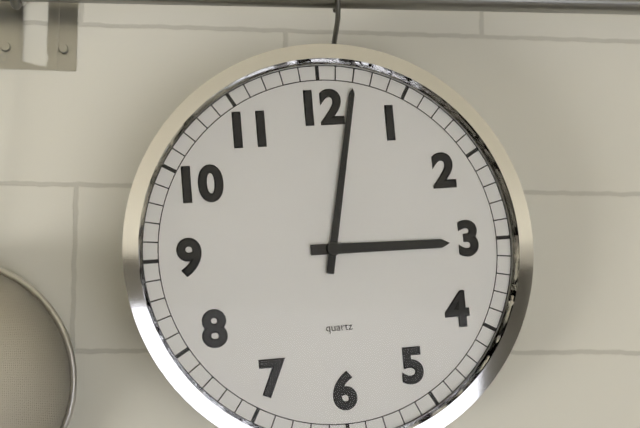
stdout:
{"hour": 3, "minute": 2}
